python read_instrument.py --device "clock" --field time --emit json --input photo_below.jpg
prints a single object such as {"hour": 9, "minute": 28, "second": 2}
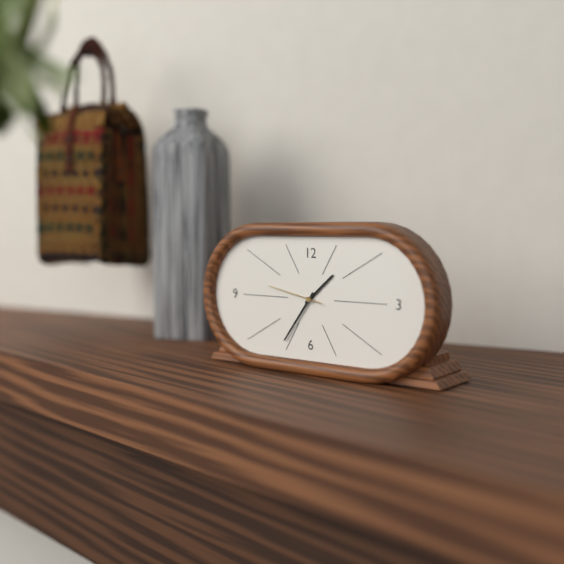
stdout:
{"hour": 1, "minute": 36, "second": 47}
